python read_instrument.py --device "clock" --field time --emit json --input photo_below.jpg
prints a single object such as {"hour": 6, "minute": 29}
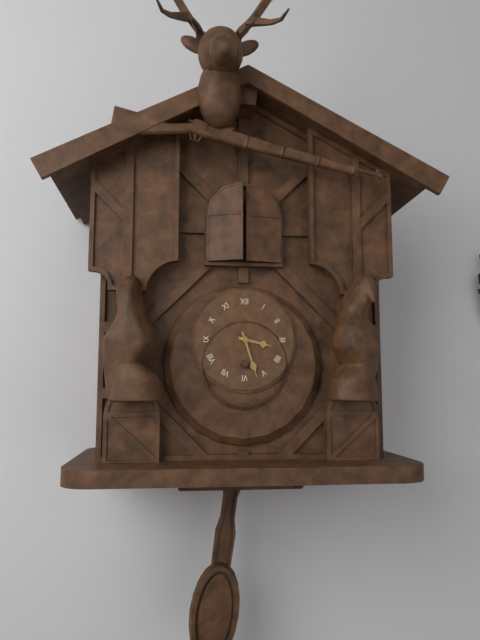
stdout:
{"hour": 3, "minute": 27}
